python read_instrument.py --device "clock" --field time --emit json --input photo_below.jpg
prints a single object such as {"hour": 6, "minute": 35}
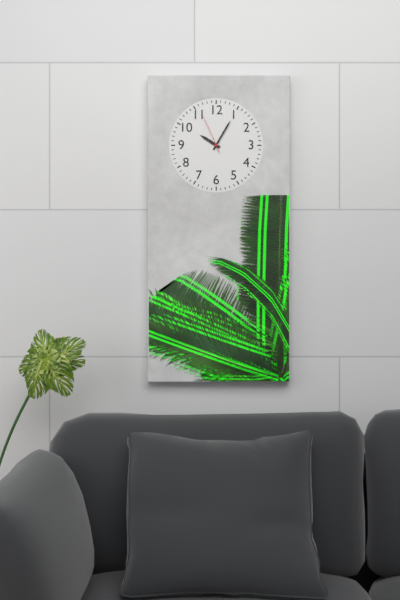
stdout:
{"hour": 10, "minute": 5}
